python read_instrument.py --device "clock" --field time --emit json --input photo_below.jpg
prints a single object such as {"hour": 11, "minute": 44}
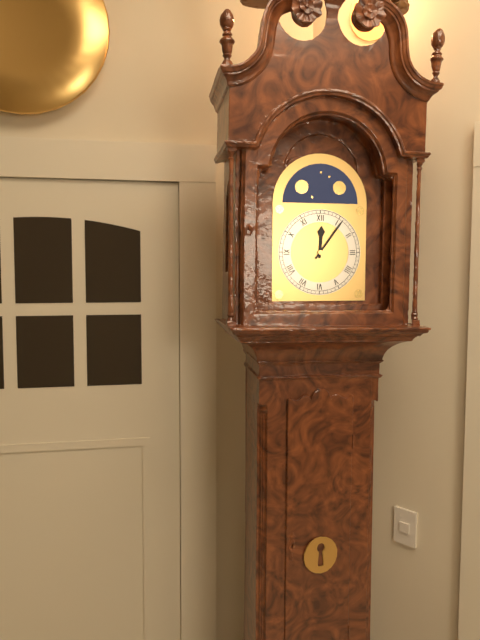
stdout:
{"hour": 12, "minute": 6}
